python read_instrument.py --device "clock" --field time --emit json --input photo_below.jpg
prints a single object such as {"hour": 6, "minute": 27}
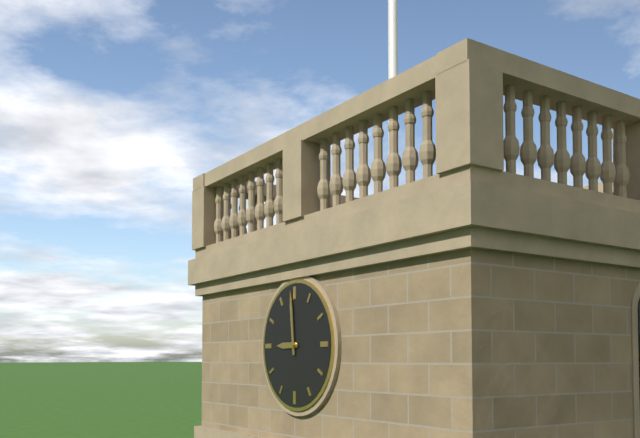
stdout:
{"hour": 8, "minute": 59}
